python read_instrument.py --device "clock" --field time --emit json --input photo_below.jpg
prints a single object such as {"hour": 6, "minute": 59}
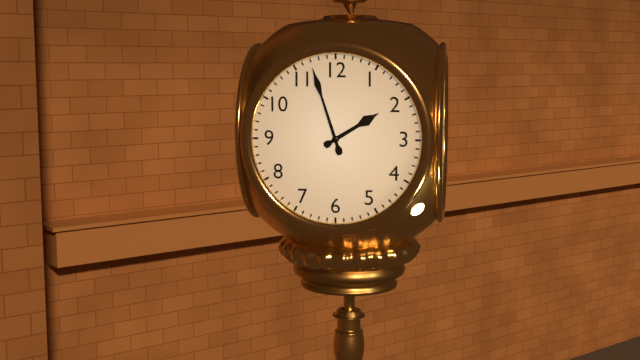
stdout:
{"hour": 1, "minute": 57}
